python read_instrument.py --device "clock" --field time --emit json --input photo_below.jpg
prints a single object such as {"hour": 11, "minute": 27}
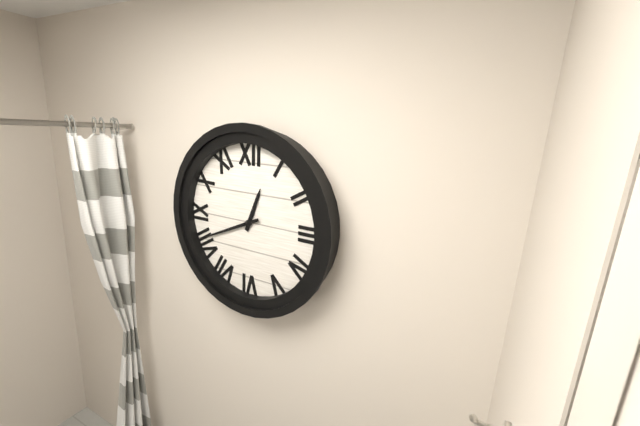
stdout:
{"hour": 12, "minute": 41}
